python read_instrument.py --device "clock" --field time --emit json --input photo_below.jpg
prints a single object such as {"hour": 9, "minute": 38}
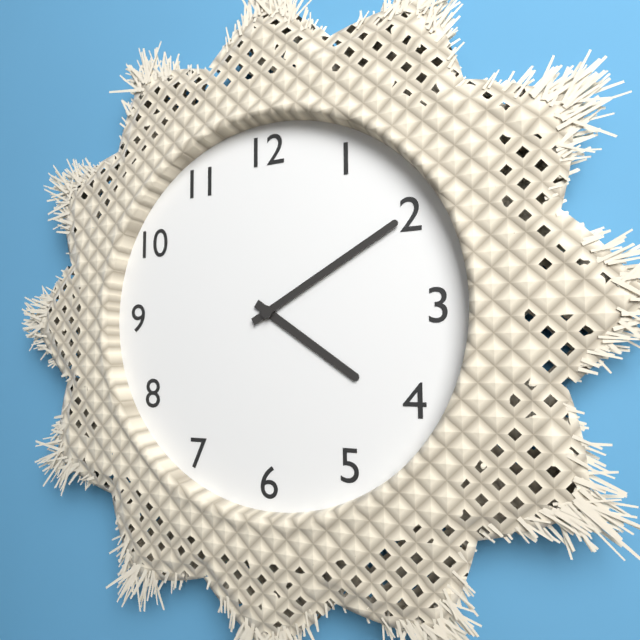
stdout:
{"hour": 4, "minute": 10}
